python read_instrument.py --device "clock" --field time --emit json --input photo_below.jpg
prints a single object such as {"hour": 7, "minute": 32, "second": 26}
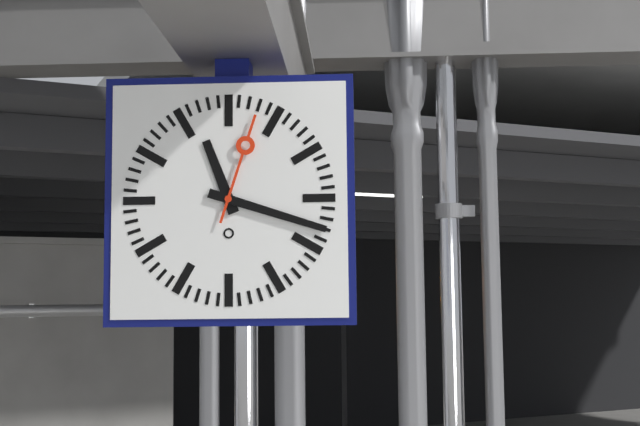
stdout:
{"hour": 11, "minute": 18, "second": 3}
